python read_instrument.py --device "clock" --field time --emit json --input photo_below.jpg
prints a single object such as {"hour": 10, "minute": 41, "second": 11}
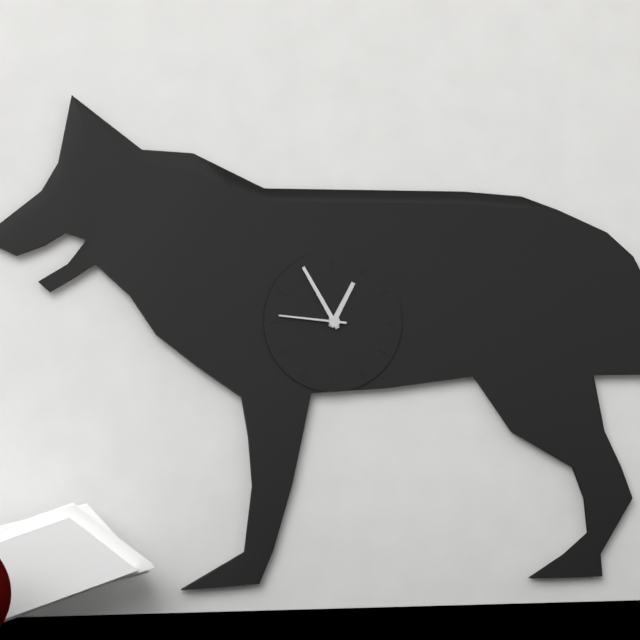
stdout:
{"hour": 12, "minute": 55, "second": 46}
